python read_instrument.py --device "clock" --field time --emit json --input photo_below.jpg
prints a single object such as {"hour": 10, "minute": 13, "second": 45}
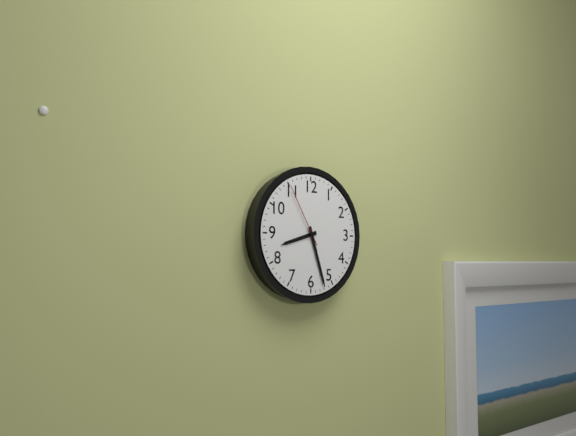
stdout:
{"hour": 8, "minute": 27, "second": 55}
